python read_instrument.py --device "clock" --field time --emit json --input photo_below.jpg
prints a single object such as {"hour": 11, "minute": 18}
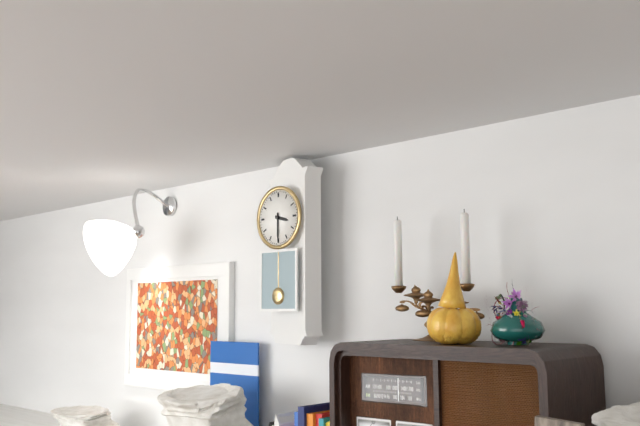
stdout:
{"hour": 3, "minute": 30}
